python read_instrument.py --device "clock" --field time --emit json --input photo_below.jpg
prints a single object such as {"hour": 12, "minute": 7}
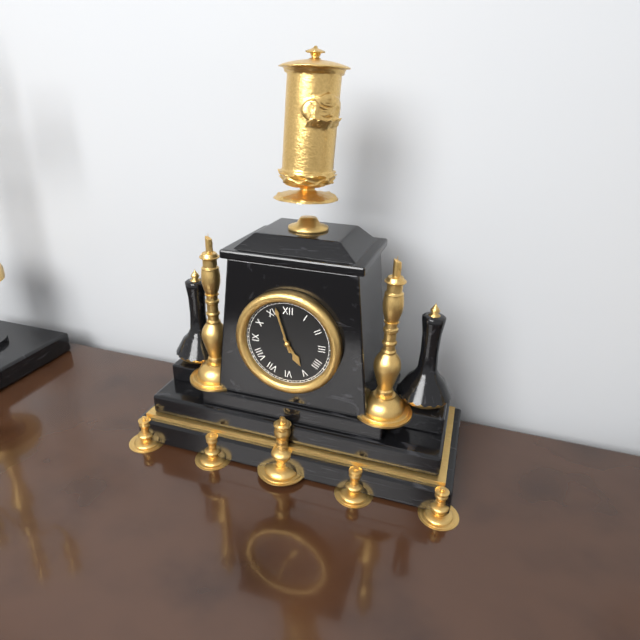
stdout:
{"hour": 4, "minute": 57}
